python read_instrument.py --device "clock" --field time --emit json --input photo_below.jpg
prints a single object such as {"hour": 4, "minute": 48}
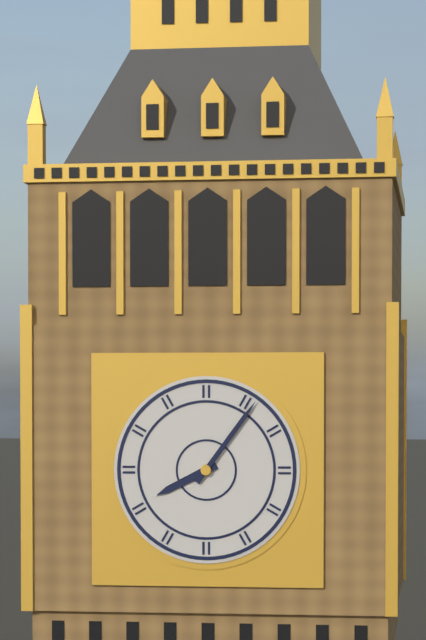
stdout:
{"hour": 8, "minute": 6}
